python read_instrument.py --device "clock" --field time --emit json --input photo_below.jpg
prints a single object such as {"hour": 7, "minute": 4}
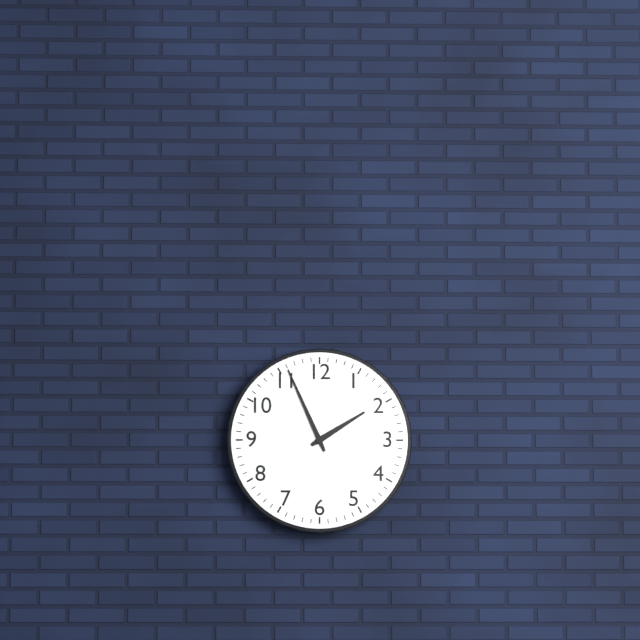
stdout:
{"hour": 1, "minute": 56}
